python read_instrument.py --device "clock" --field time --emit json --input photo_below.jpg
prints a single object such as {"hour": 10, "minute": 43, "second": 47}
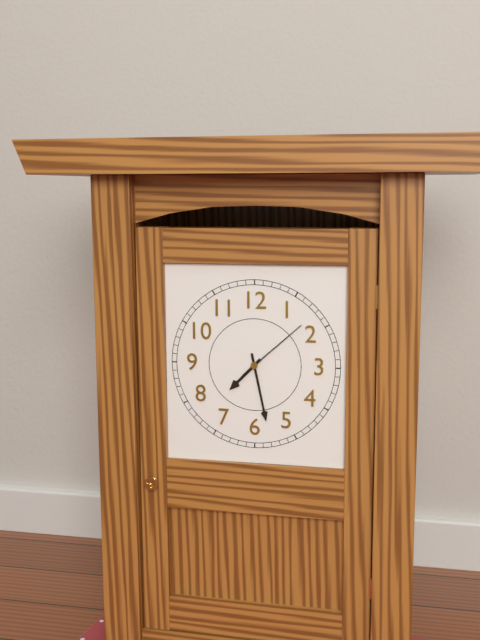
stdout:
{"hour": 7, "minute": 28, "second": 8}
